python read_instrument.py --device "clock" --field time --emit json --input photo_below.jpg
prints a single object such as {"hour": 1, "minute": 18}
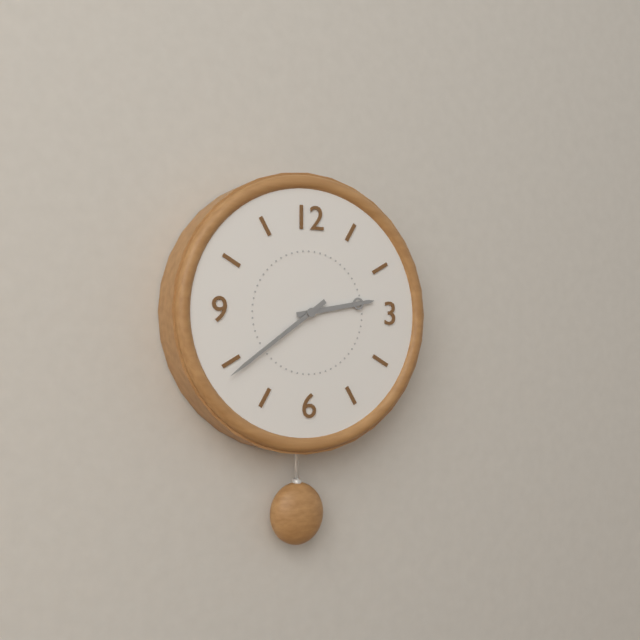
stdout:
{"hour": 2, "minute": 39}
